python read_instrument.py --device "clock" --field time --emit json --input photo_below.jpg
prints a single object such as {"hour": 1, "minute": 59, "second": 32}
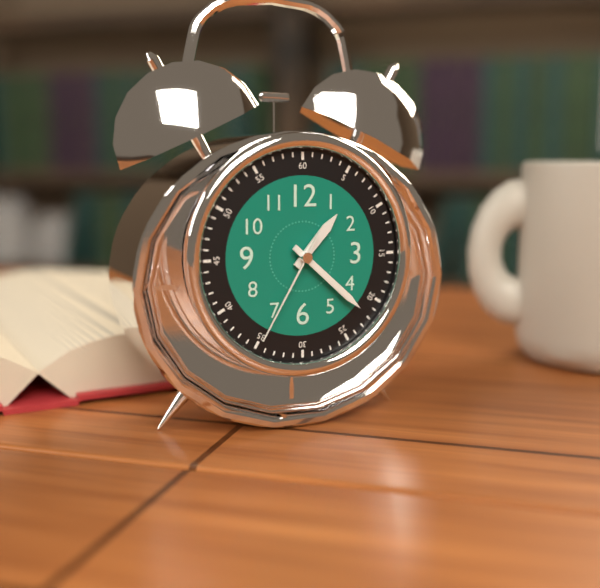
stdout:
{"hour": 1, "minute": 22, "second": 35}
